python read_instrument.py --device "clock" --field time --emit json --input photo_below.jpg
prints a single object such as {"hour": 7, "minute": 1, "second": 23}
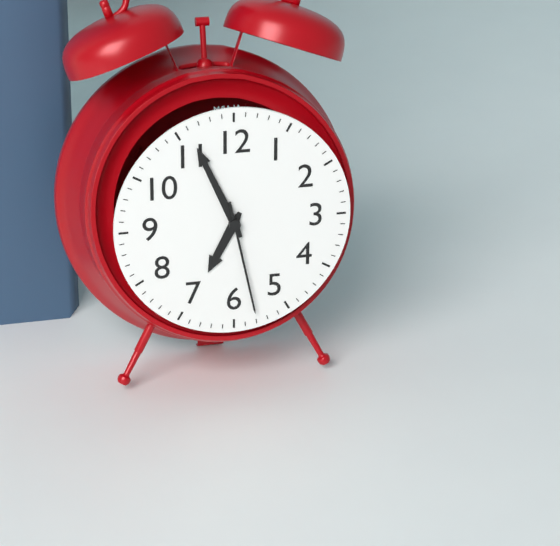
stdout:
{"hour": 6, "minute": 56, "second": 28}
